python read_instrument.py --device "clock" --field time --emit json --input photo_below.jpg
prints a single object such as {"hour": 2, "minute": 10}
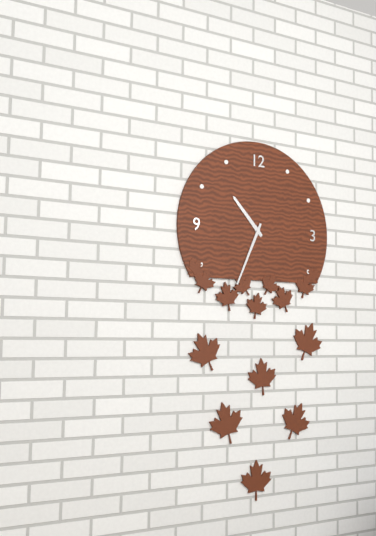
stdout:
{"hour": 10, "minute": 34}
